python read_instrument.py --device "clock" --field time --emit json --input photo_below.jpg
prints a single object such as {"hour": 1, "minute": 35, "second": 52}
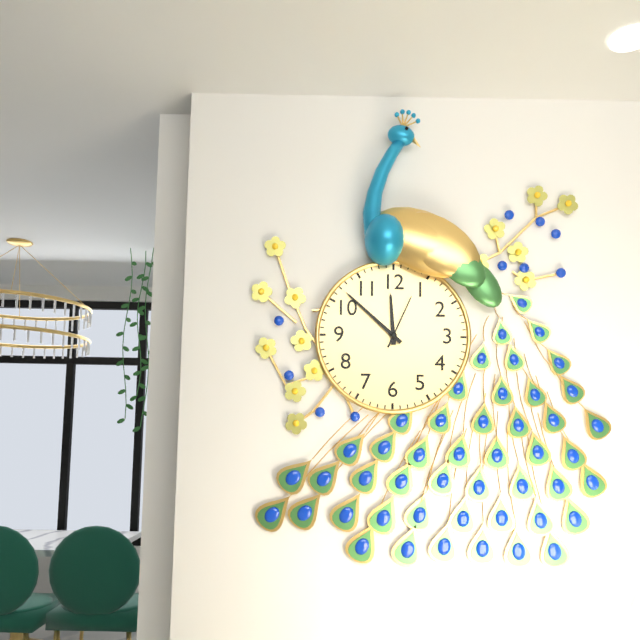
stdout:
{"hour": 11, "minute": 52, "second": 4}
